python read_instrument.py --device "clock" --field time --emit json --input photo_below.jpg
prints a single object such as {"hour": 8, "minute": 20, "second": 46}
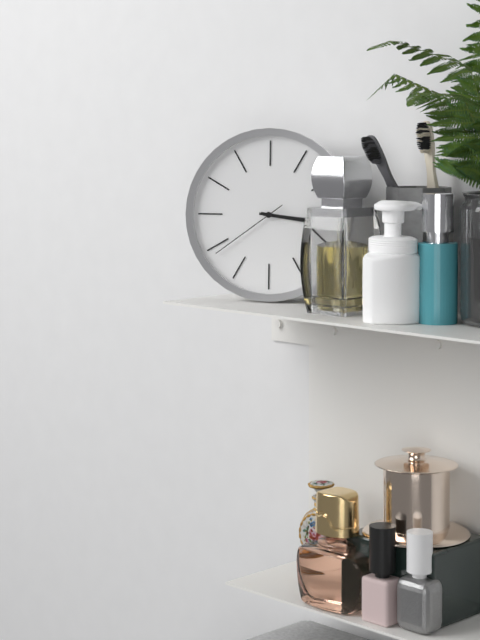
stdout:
{"hour": 3, "minute": 16, "second": 39}
